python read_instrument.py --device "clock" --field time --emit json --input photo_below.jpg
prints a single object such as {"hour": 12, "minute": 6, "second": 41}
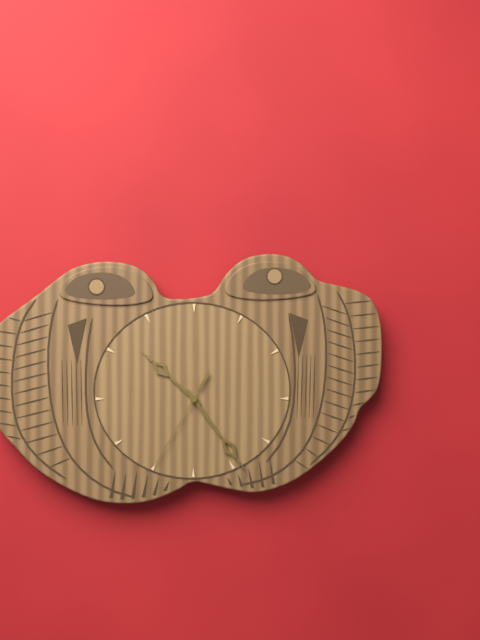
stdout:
{"hour": 10, "minute": 24, "second": 35}
